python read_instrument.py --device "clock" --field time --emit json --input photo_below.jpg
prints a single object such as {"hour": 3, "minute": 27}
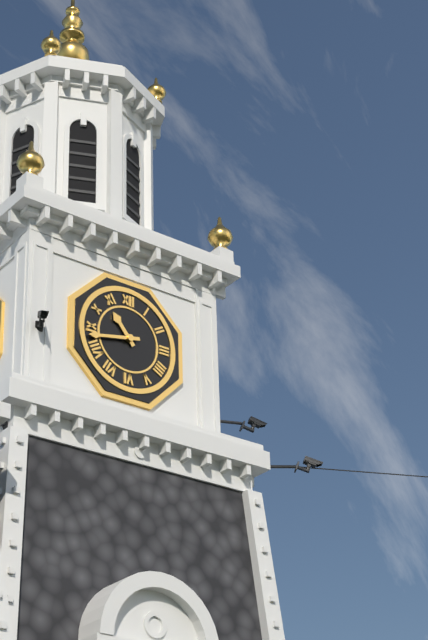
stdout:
{"hour": 10, "minute": 43}
